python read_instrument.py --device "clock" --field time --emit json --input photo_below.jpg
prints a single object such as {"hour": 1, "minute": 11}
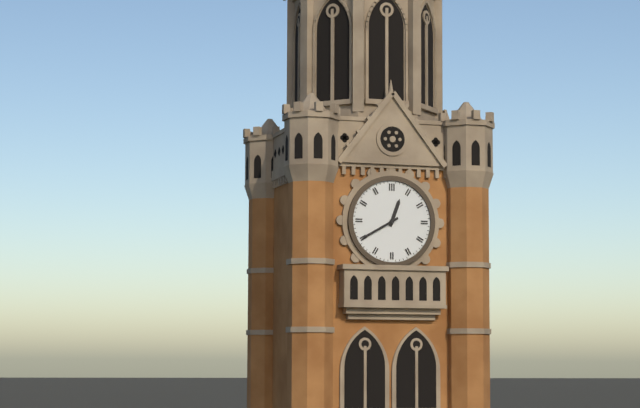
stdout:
{"hour": 12, "minute": 40}
